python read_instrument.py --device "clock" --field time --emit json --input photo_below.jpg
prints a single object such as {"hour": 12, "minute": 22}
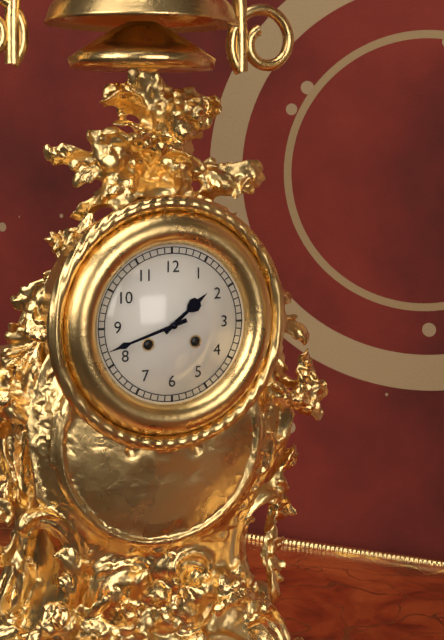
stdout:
{"hour": 1, "minute": 42}
